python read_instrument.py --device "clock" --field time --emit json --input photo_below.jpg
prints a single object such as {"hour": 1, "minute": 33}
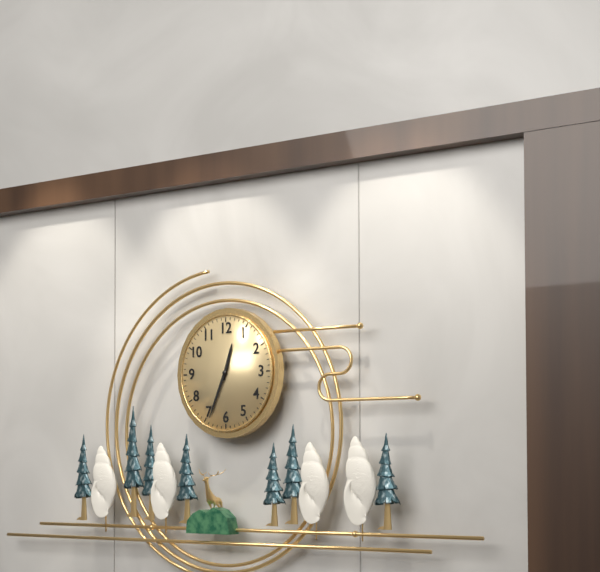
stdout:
{"hour": 12, "minute": 34}
